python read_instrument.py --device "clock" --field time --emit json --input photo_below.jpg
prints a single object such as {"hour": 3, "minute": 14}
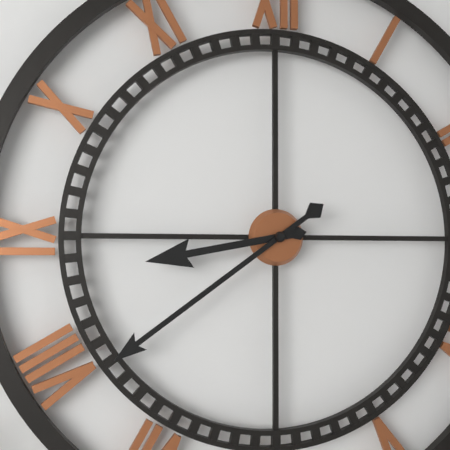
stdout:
{"hour": 8, "minute": 39}
